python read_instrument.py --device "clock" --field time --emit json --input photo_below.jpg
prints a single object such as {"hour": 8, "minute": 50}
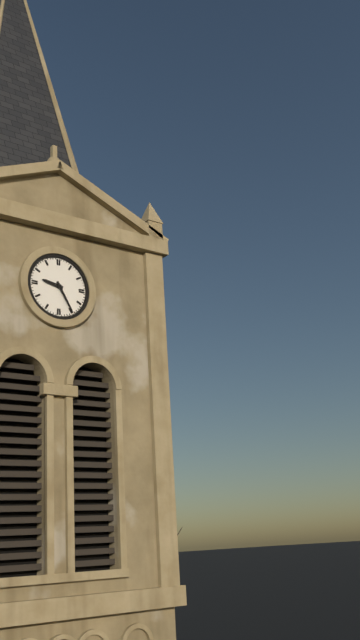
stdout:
{"hour": 9, "minute": 25}
